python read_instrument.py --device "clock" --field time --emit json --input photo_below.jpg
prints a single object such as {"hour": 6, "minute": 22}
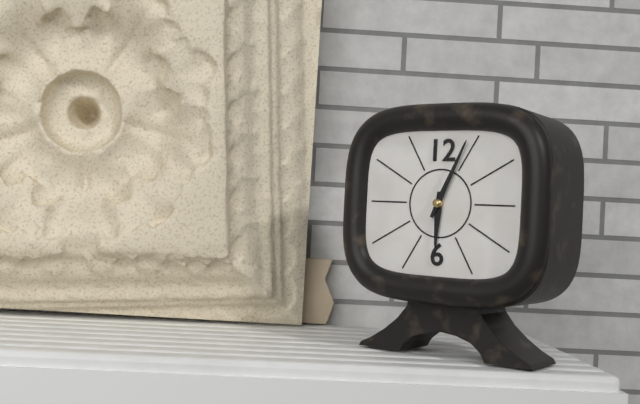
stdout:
{"hour": 6, "minute": 4}
